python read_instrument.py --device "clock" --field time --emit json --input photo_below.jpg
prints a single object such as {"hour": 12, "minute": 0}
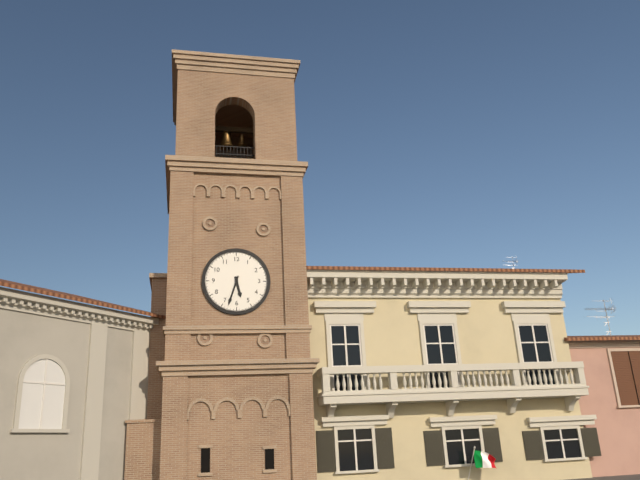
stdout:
{"hour": 5, "minute": 33}
